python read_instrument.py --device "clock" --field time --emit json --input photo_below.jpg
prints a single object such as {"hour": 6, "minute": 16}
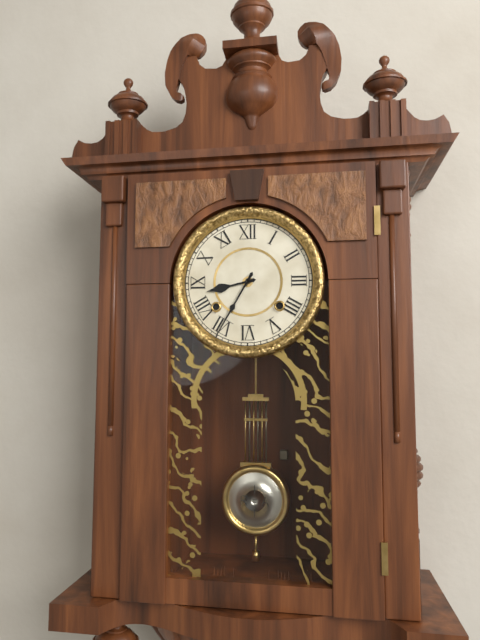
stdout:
{"hour": 8, "minute": 35}
